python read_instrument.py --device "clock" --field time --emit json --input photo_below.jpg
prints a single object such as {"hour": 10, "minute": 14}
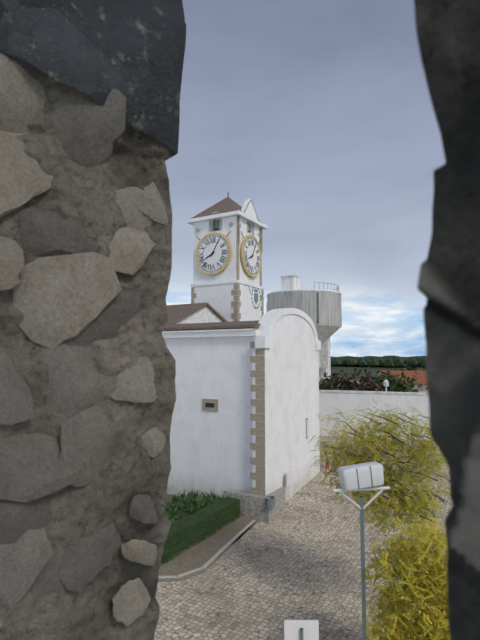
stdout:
{"hour": 8, "minute": 5}
